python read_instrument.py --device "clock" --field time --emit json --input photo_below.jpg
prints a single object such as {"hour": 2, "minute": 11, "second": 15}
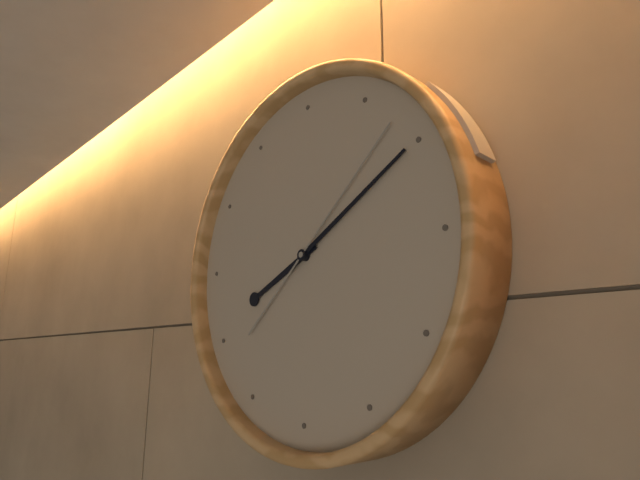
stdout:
{"hour": 8, "minute": 10, "second": 8}
